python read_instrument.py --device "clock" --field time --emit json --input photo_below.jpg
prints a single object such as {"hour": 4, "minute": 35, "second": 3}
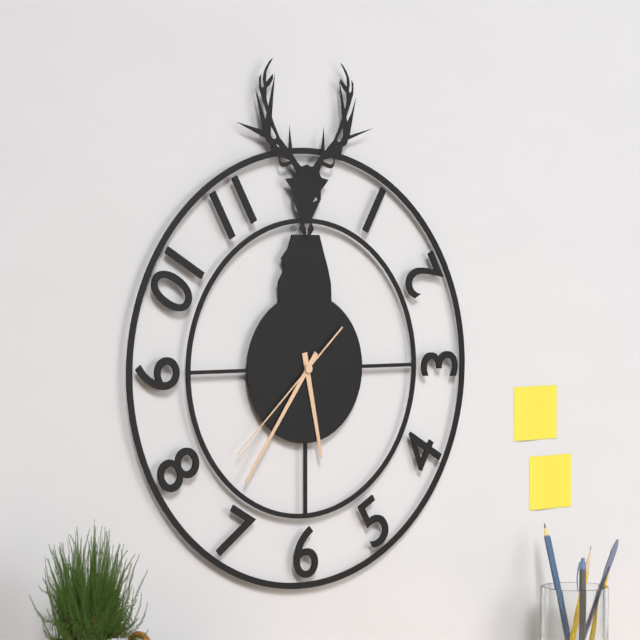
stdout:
{"hour": 5, "minute": 36, "second": 38}
